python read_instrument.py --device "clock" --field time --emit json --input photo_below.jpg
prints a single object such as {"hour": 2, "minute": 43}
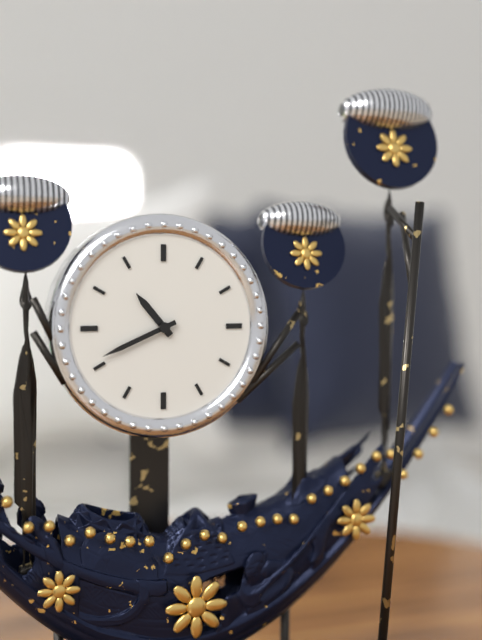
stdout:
{"hour": 10, "minute": 41}
